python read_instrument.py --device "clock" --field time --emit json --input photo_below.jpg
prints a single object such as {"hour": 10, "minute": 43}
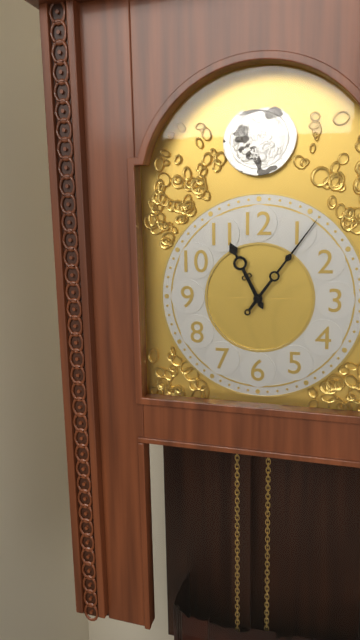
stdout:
{"hour": 11, "minute": 6}
